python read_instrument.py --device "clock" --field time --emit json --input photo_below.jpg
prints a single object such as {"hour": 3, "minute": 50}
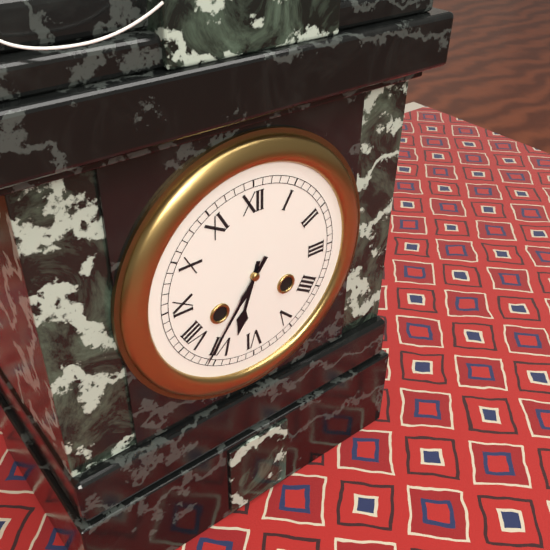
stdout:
{"hour": 6, "minute": 36}
